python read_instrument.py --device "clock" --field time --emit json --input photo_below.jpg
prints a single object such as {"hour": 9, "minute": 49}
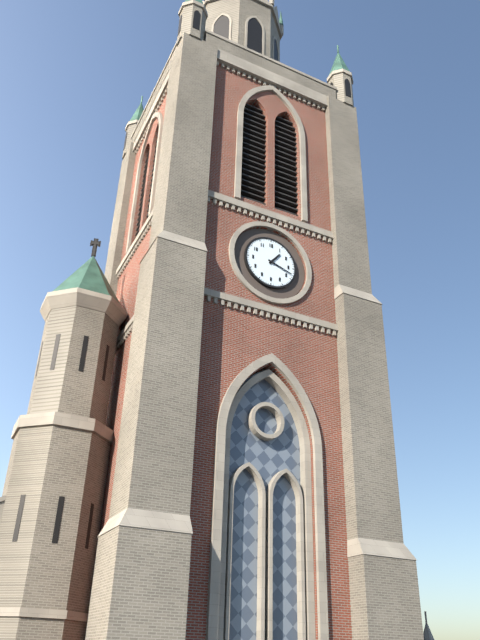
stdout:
{"hour": 1, "minute": 18}
